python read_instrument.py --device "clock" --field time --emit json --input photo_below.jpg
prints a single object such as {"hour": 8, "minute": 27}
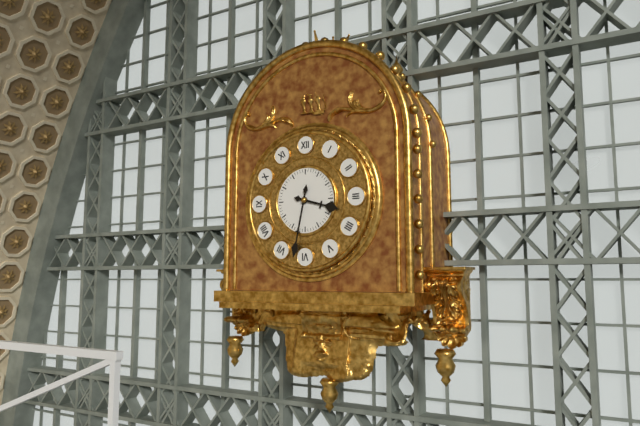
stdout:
{"hour": 3, "minute": 32}
